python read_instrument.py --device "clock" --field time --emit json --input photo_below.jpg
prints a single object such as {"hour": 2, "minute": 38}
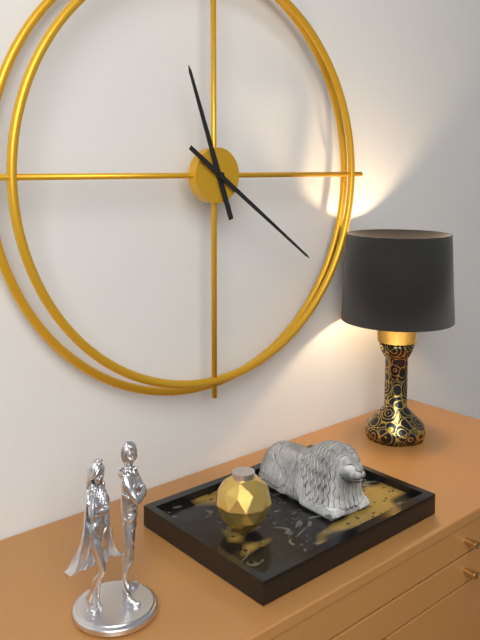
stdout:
{"hour": 11, "minute": 21}
